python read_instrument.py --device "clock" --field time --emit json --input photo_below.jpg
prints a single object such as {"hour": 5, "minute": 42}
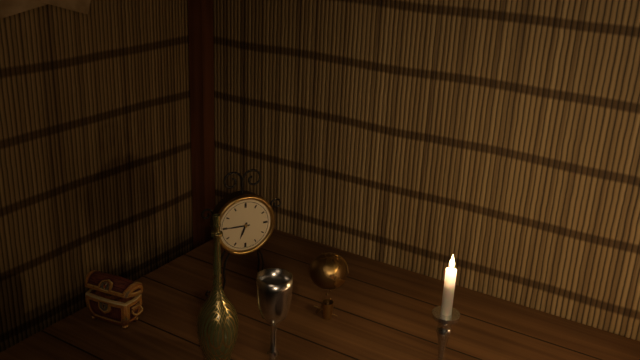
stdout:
{"hour": 6, "minute": 45}
